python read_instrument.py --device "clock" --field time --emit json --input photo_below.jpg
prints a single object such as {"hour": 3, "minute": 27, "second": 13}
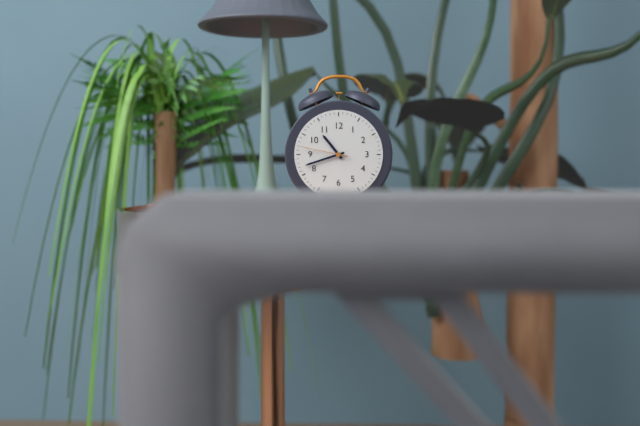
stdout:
{"hour": 10, "minute": 42, "second": 47}
